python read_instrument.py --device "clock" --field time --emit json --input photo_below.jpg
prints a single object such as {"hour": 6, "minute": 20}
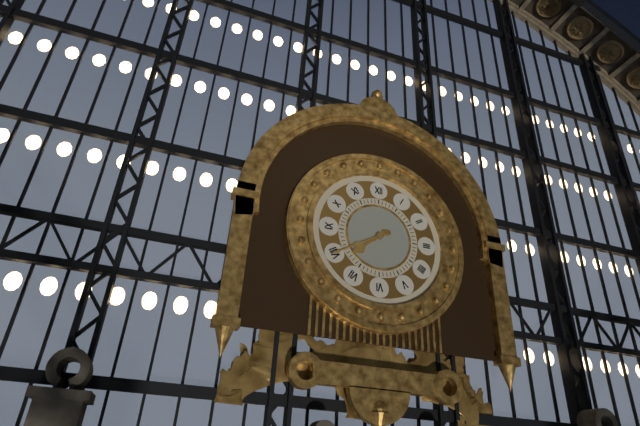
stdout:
{"hour": 7, "minute": 40}
